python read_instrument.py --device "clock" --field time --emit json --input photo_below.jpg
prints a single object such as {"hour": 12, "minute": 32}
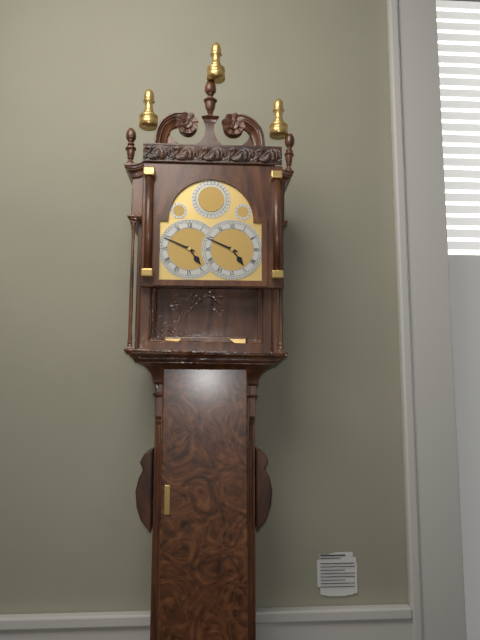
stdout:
{"hour": 4, "minute": 49}
